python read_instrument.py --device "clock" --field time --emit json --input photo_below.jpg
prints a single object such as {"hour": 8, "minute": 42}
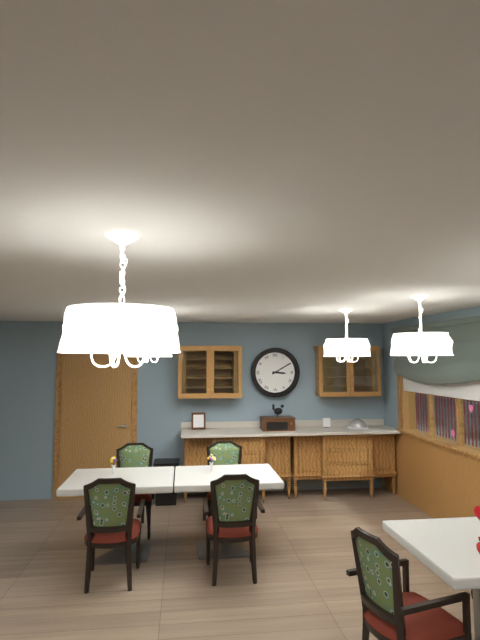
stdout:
{"hour": 3, "minute": 10}
